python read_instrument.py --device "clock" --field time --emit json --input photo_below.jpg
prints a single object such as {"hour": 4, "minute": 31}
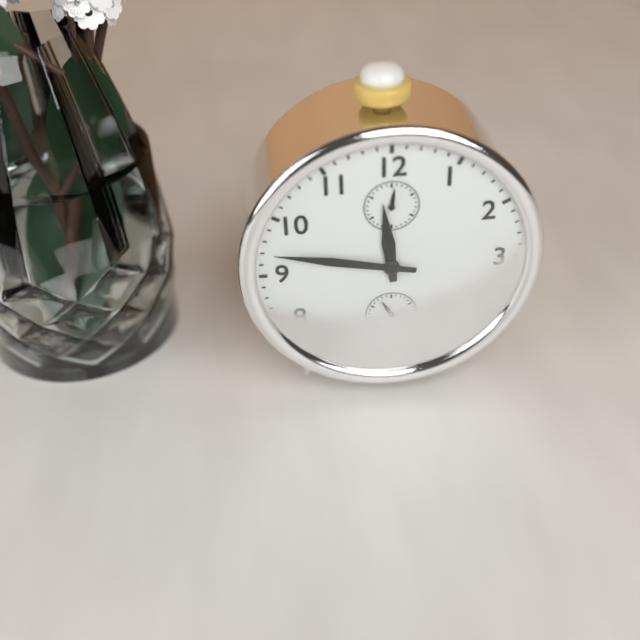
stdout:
{"hour": 11, "minute": 47}
